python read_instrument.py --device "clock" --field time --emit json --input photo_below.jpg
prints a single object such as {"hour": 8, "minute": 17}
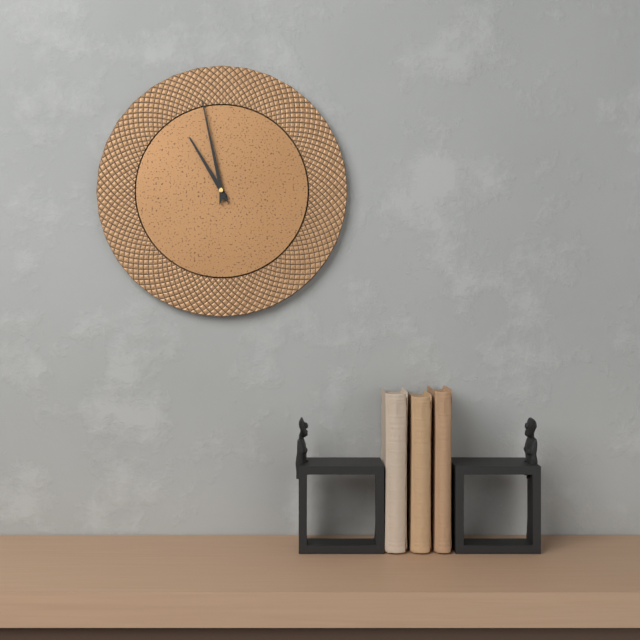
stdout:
{"hour": 10, "minute": 58}
